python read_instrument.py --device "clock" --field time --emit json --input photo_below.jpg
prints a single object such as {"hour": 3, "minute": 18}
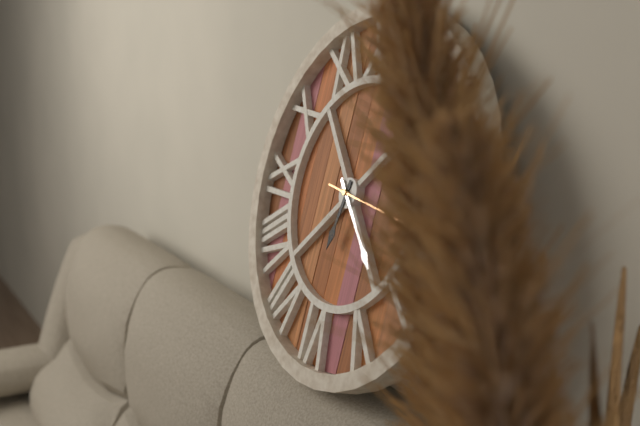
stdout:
{"hour": 6, "minute": 22}
